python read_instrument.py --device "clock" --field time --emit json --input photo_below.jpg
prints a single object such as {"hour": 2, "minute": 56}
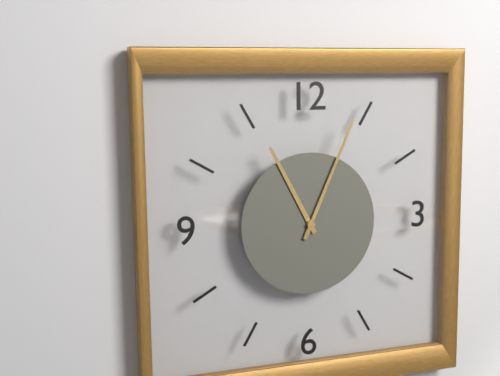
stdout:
{"hour": 11, "minute": 4}
